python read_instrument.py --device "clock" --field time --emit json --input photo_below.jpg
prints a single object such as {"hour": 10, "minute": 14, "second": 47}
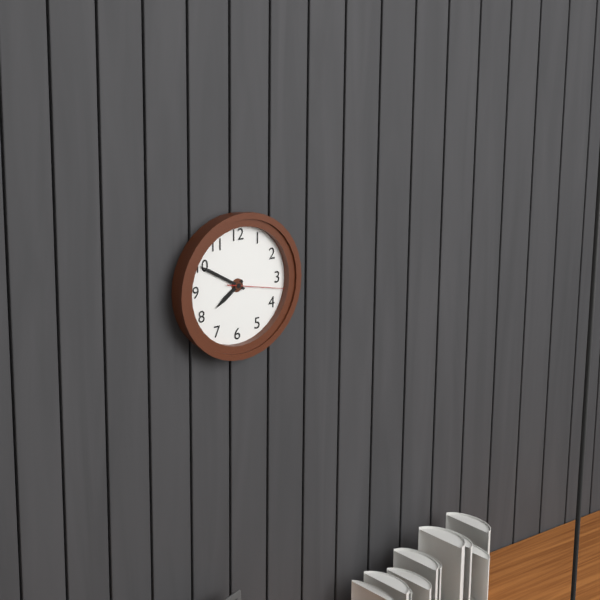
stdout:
{"hour": 7, "minute": 50, "second": 17}
